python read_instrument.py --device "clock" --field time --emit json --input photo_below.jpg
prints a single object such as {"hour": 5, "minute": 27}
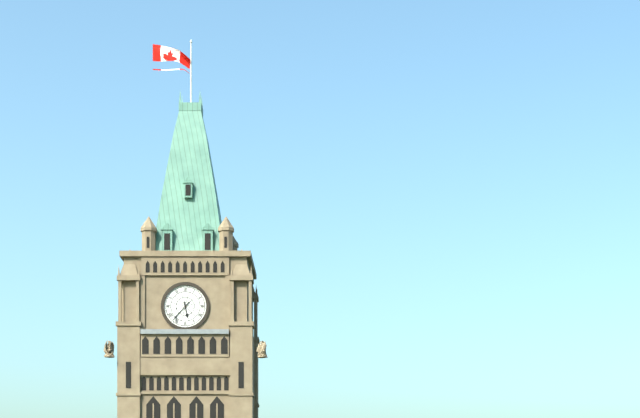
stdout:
{"hour": 5, "minute": 37}
